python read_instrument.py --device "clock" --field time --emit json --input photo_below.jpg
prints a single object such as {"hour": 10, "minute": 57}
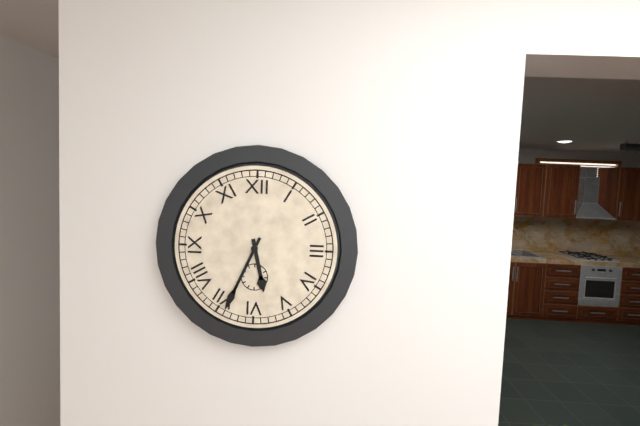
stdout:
{"hour": 5, "minute": 34}
